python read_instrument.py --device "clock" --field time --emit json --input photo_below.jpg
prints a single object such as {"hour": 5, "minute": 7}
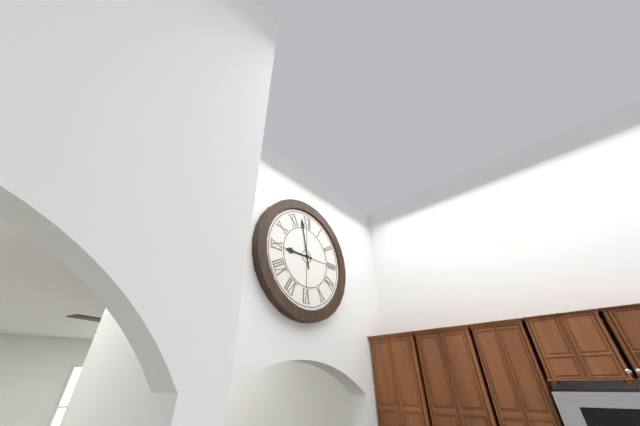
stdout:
{"hour": 8, "minute": 58}
